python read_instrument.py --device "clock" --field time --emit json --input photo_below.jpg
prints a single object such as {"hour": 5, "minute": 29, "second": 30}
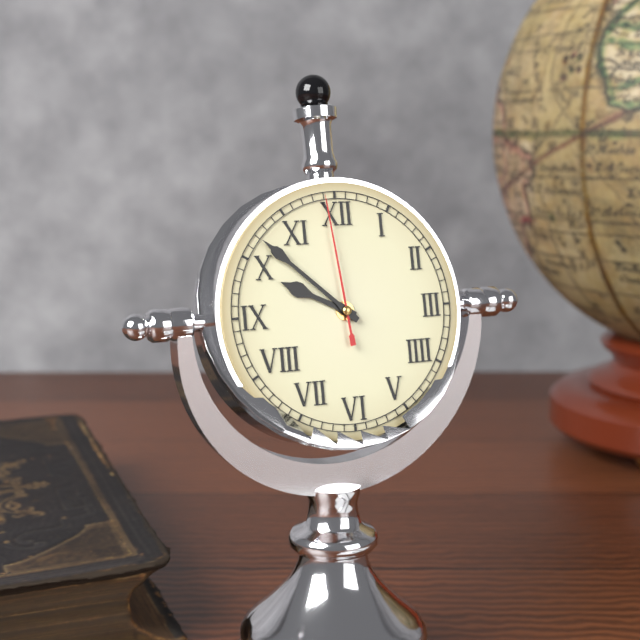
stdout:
{"hour": 9, "minute": 52, "second": 59}
